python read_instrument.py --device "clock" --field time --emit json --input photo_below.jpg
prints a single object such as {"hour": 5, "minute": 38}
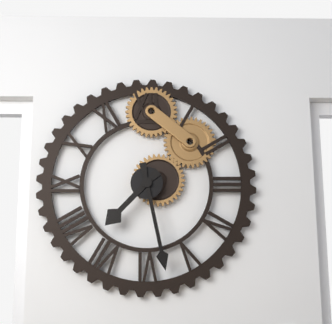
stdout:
{"hour": 7, "minute": 28}
